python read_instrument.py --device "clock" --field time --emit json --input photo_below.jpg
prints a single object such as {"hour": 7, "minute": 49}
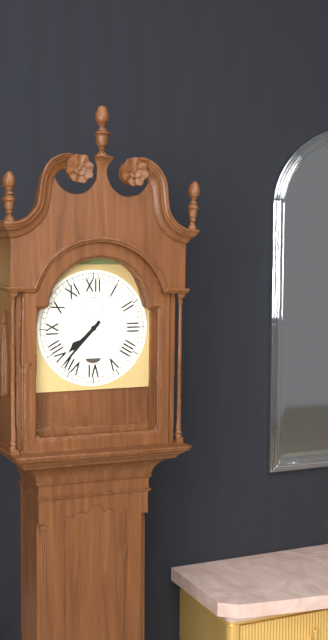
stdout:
{"hour": 7, "minute": 37}
